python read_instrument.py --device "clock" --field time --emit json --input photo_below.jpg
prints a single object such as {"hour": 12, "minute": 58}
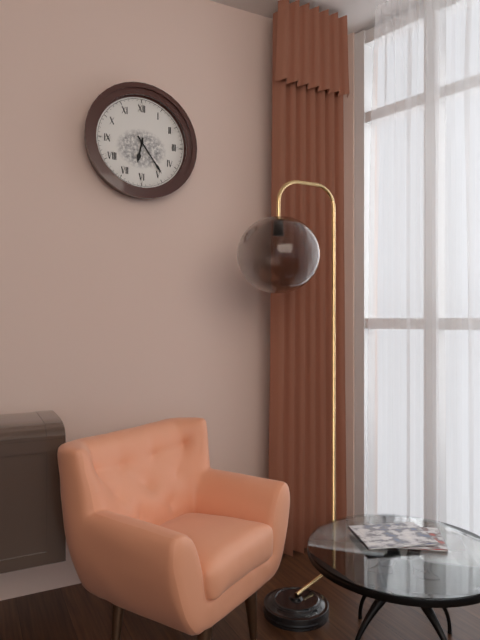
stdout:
{"hour": 6, "minute": 24}
